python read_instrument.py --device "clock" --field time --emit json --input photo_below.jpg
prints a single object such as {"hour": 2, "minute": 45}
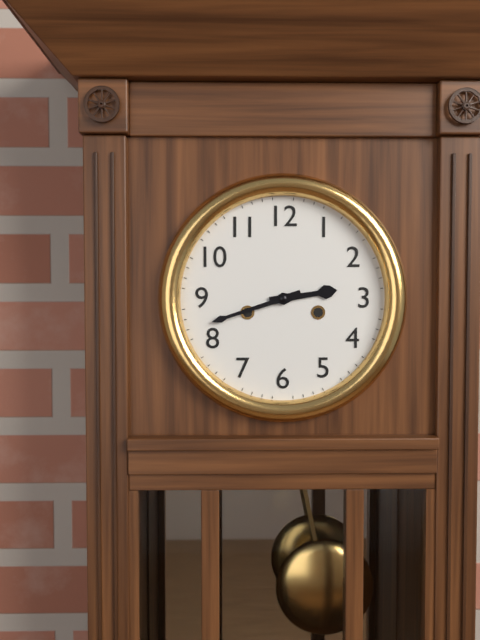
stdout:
{"hour": 2, "minute": 42}
